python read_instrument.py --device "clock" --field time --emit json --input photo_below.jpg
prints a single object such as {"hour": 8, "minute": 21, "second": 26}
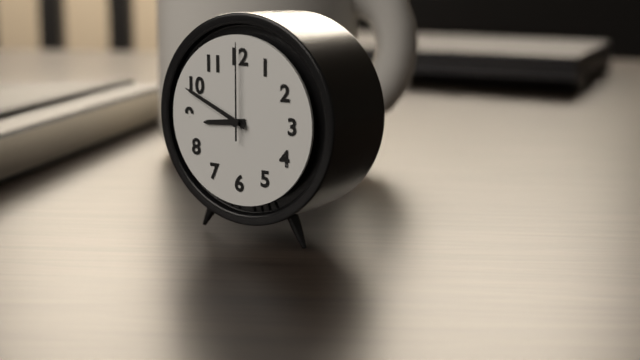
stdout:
{"hour": 8, "minute": 49, "second": 0}
